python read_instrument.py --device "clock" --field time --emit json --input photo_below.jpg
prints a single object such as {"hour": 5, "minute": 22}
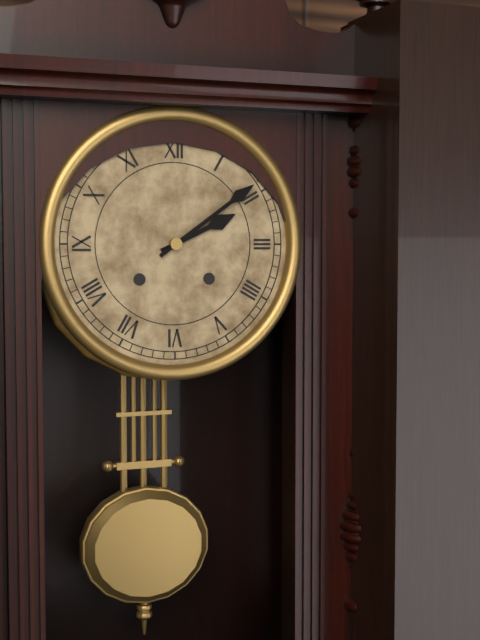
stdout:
{"hour": 2, "minute": 9}
